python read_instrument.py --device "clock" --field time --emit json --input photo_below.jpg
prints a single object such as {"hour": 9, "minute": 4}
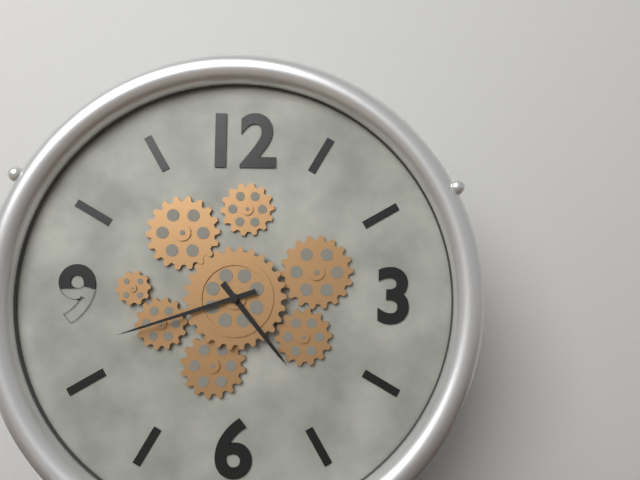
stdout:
{"hour": 4, "minute": 42}
